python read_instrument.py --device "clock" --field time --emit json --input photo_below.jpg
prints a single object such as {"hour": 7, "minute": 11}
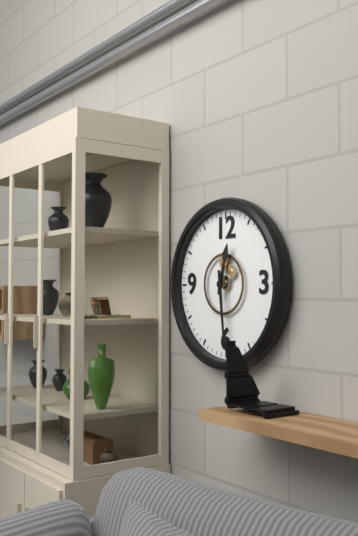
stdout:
{"hour": 12, "minute": 29}
